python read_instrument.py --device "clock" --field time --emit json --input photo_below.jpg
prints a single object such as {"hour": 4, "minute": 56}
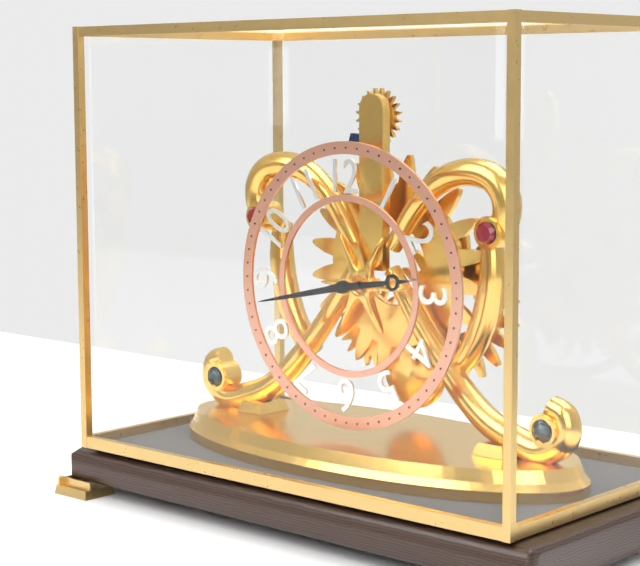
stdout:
{"hour": 2, "minute": 43}
